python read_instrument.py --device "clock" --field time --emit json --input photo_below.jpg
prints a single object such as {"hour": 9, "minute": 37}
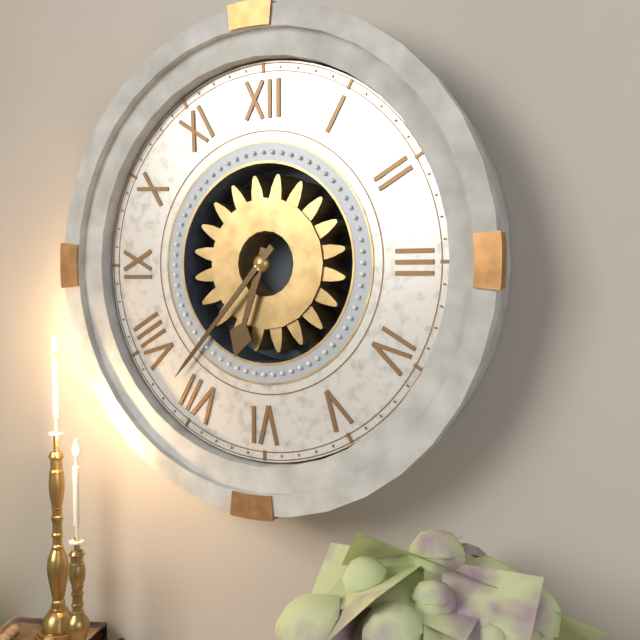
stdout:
{"hour": 6, "minute": 37}
